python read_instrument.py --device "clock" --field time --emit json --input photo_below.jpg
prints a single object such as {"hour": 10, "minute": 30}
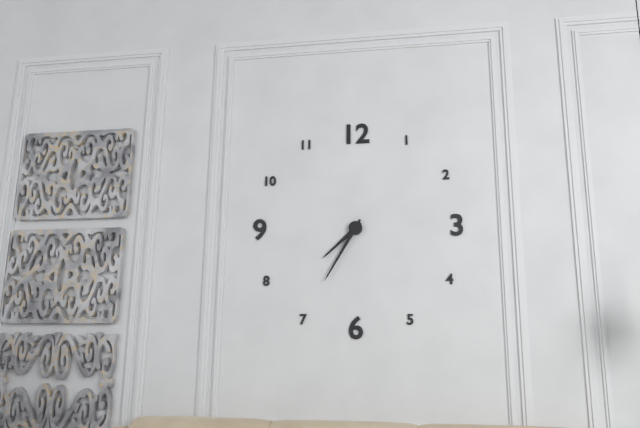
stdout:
{"hour": 7, "minute": 35}
